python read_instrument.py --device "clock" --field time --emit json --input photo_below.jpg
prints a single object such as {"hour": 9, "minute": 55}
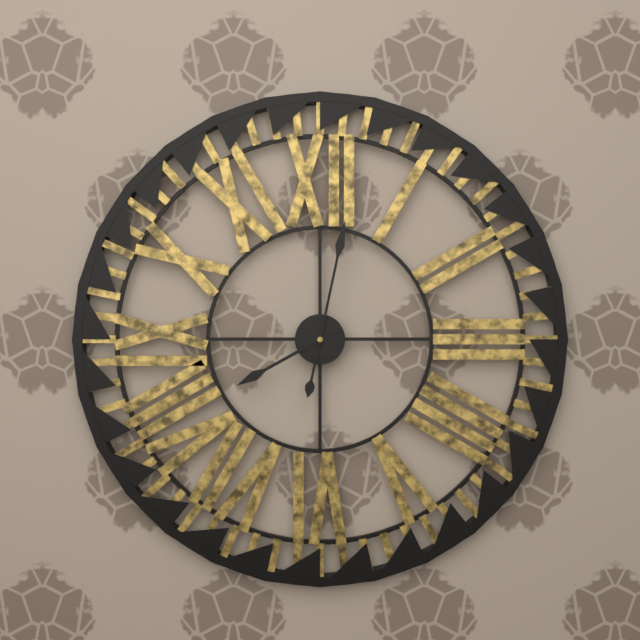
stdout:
{"hour": 8, "minute": 2}
